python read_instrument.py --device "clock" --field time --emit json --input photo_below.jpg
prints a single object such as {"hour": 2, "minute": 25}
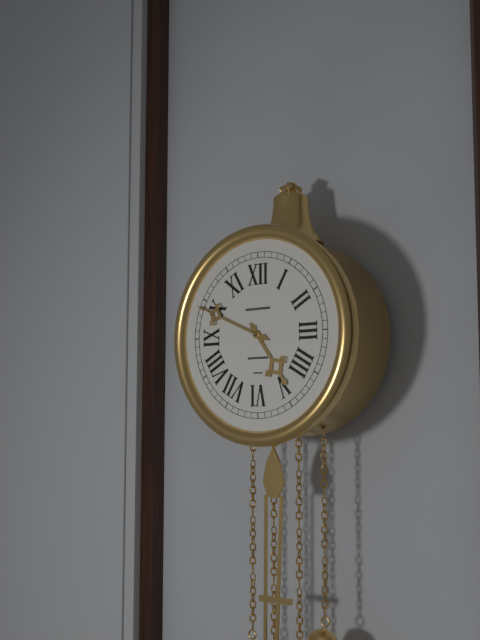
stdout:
{"hour": 4, "minute": 49}
